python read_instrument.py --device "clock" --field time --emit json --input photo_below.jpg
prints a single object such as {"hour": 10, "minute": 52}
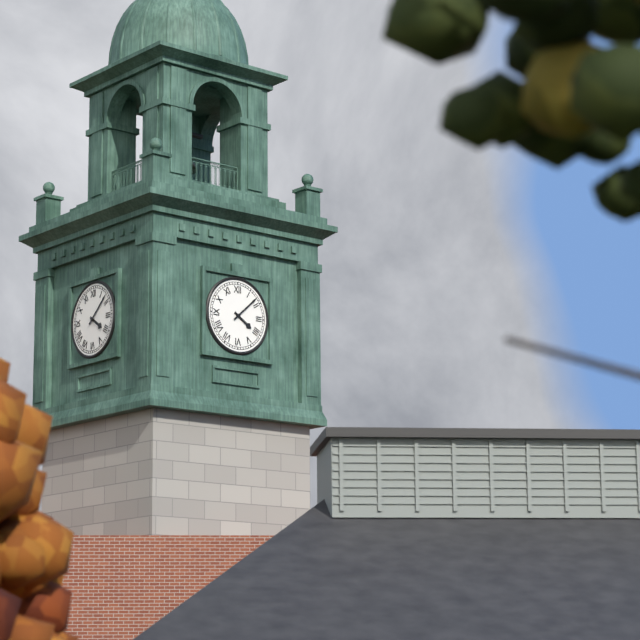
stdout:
{"hour": 4, "minute": 8}
